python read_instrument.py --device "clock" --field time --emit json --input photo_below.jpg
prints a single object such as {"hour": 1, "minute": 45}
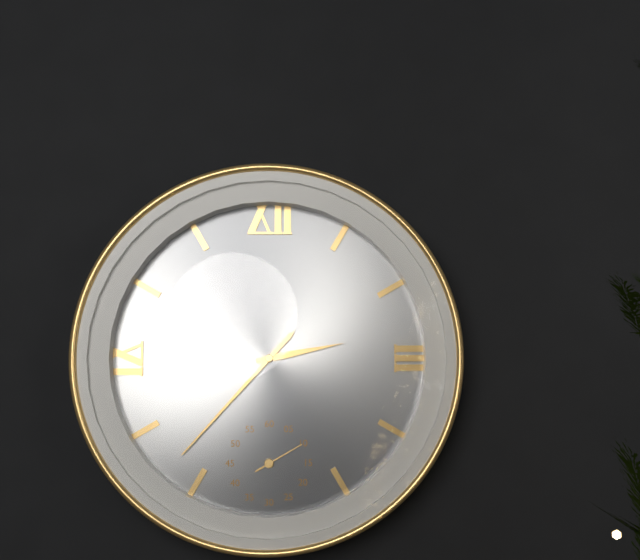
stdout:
{"hour": 2, "minute": 37}
